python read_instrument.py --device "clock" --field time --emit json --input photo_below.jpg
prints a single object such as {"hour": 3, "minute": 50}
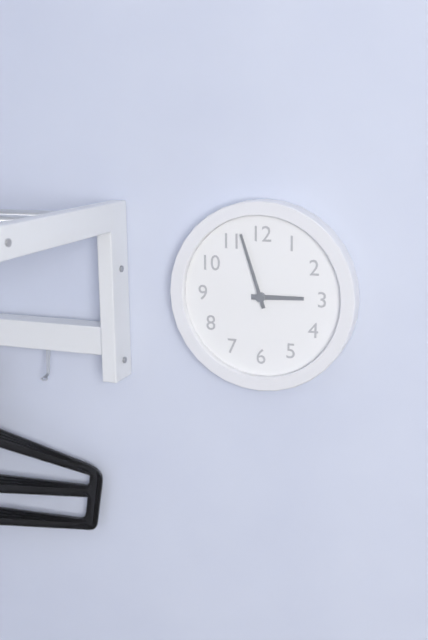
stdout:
{"hour": 2, "minute": 57}
